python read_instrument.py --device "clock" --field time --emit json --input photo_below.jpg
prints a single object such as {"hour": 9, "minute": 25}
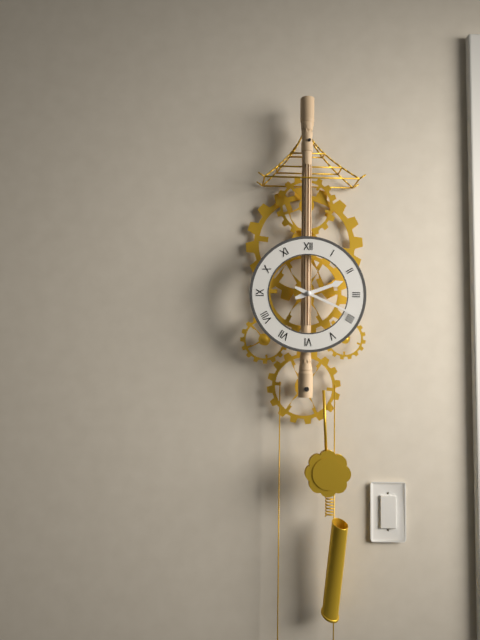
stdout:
{"hour": 2, "minute": 19}
